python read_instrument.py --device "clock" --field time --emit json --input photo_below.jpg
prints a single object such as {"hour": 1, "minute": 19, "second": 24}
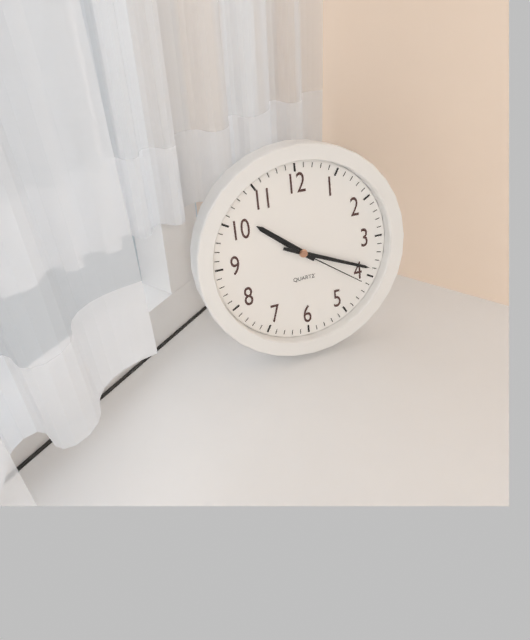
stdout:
{"hour": 10, "minute": 19, "second": 21}
